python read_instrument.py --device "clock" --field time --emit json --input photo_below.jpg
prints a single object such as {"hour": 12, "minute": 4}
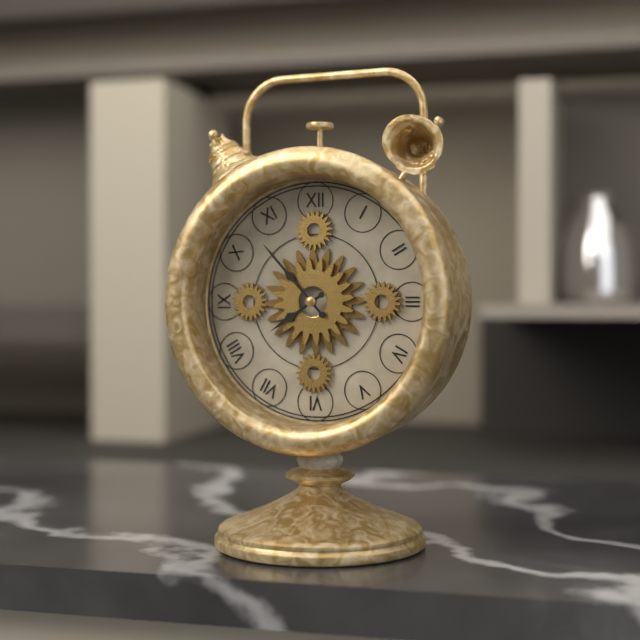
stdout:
{"hour": 7, "minute": 53}
